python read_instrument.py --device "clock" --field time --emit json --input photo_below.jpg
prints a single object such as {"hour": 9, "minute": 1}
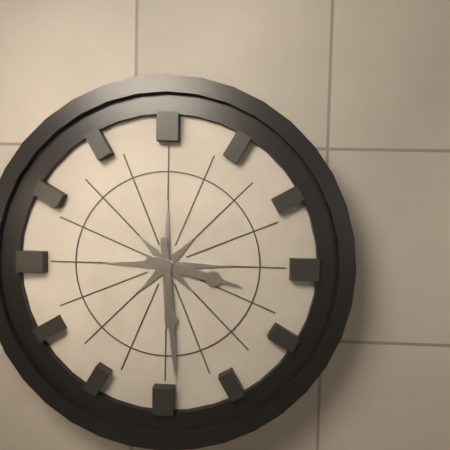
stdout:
{"hour": 3, "minute": 29}
